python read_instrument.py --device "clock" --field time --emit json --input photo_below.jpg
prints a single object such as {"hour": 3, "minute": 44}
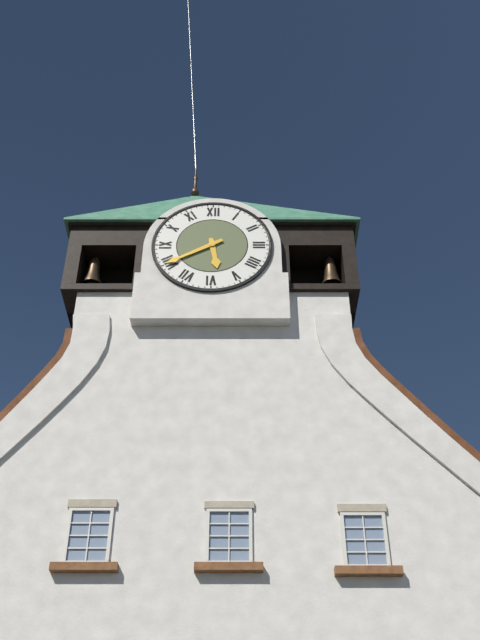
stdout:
{"hour": 5, "minute": 40}
